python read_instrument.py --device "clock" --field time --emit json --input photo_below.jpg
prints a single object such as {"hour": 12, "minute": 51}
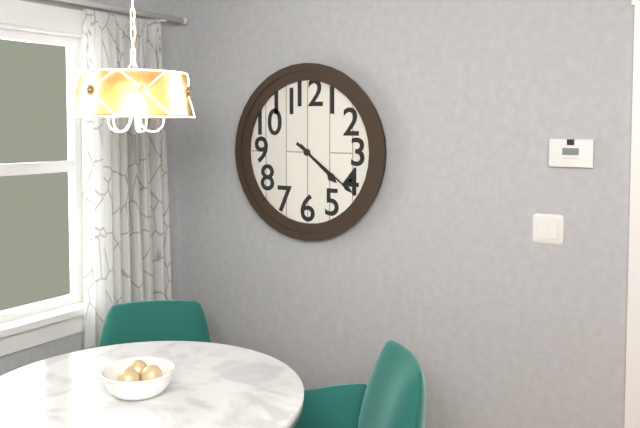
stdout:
{"hour": 4, "minute": 21}
